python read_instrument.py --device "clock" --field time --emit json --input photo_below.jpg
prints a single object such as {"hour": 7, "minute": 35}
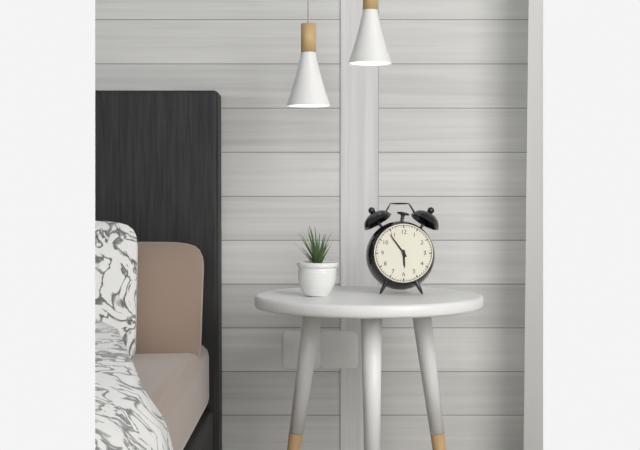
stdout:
{"hour": 5, "minute": 54}
